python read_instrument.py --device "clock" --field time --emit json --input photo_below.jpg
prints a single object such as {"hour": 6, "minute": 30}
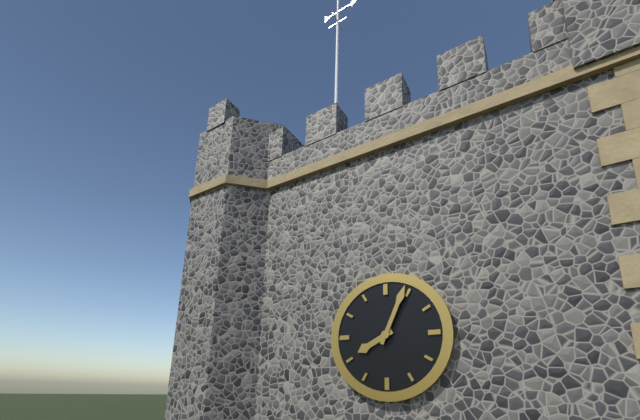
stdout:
{"hour": 8, "minute": 4}
